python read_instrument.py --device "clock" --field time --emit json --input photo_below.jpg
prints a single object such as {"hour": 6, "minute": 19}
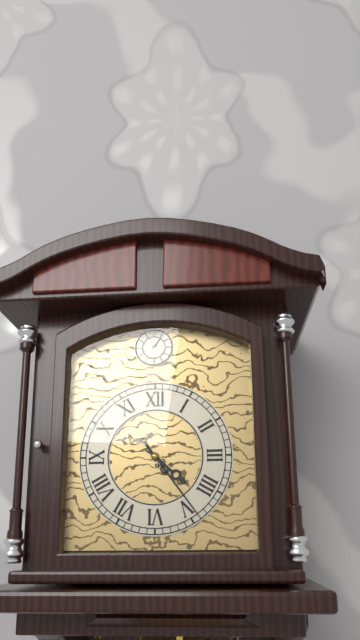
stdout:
{"hour": 4, "minute": 24}
